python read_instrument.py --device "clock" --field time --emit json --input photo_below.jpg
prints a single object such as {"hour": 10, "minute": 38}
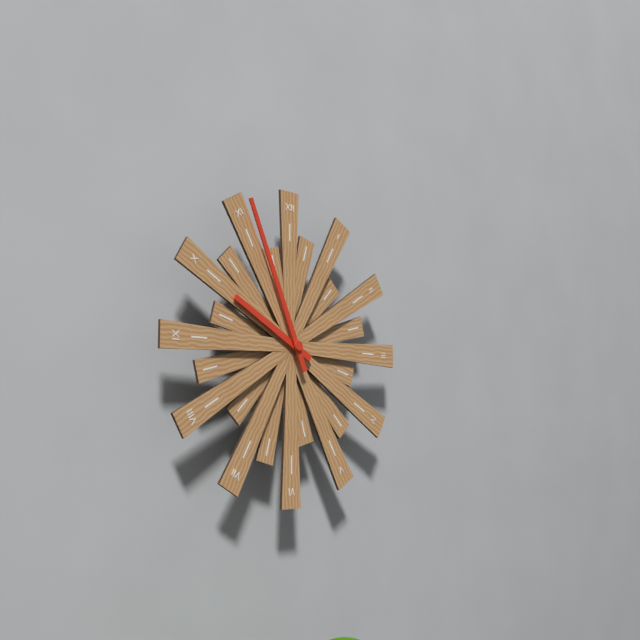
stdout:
{"hour": 9, "minute": 56}
